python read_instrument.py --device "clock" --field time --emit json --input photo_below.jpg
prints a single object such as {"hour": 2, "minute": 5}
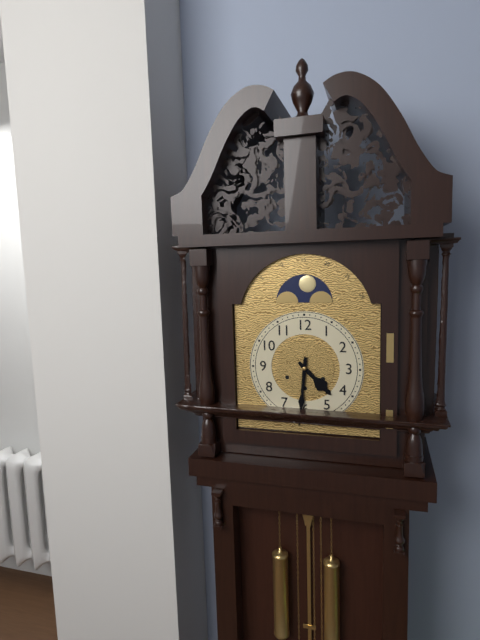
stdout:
{"hour": 4, "minute": 31}
